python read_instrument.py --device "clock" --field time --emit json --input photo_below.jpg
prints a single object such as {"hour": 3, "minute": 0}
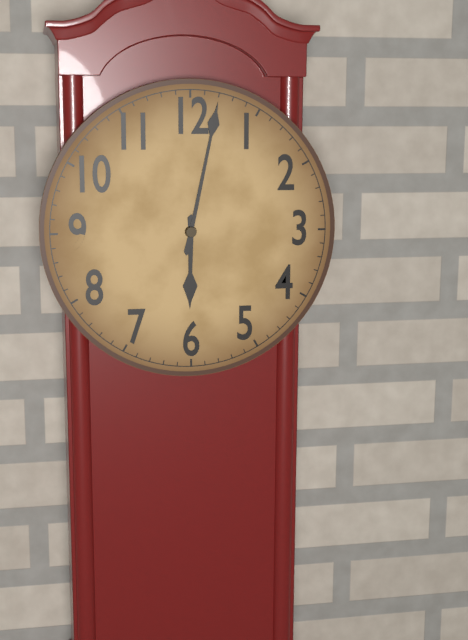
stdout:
{"hour": 6, "minute": 2}
